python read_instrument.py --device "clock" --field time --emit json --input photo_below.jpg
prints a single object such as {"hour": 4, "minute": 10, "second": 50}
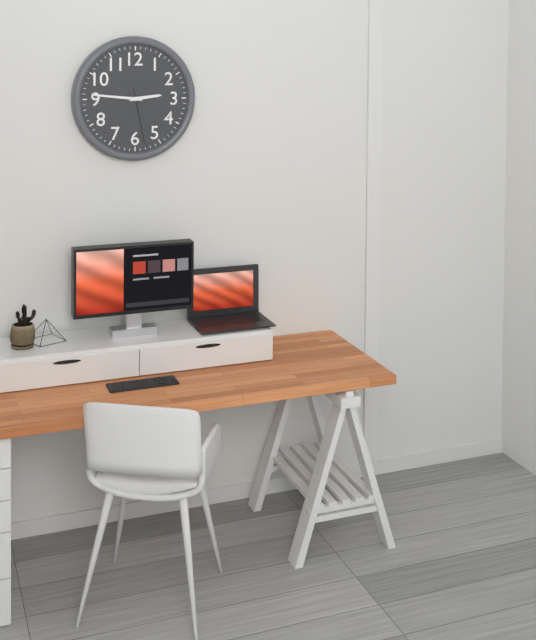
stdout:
{"hour": 2, "minute": 46, "second": 28}
